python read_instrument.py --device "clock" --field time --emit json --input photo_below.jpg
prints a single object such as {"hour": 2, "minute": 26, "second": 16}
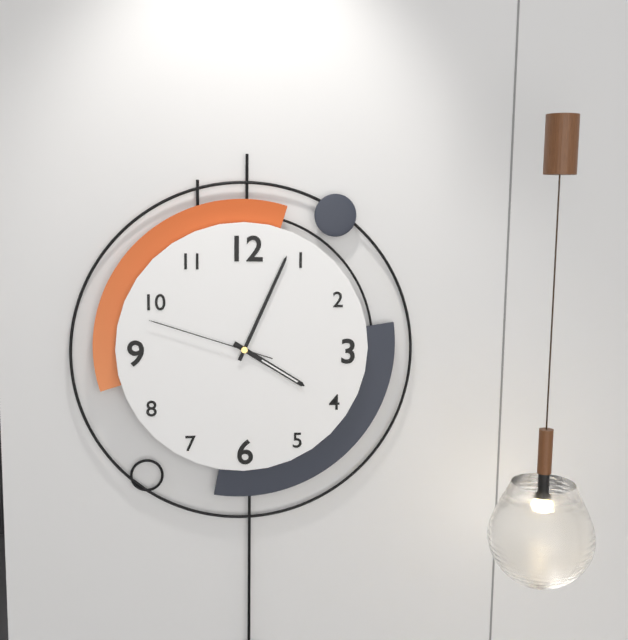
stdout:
{"hour": 4, "minute": 4, "second": 48}
